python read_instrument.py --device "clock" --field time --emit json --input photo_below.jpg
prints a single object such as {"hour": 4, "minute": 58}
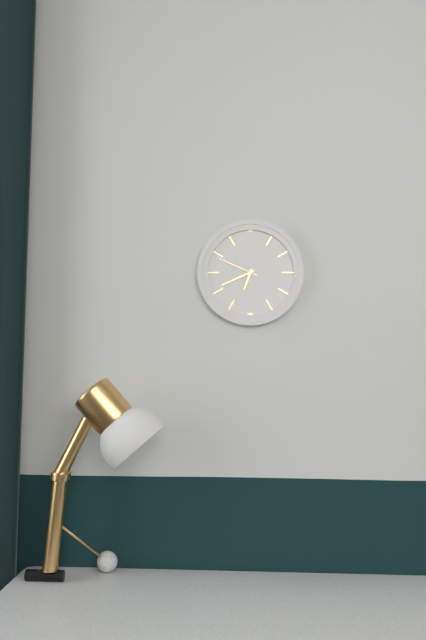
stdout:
{"hour": 6, "minute": 41}
